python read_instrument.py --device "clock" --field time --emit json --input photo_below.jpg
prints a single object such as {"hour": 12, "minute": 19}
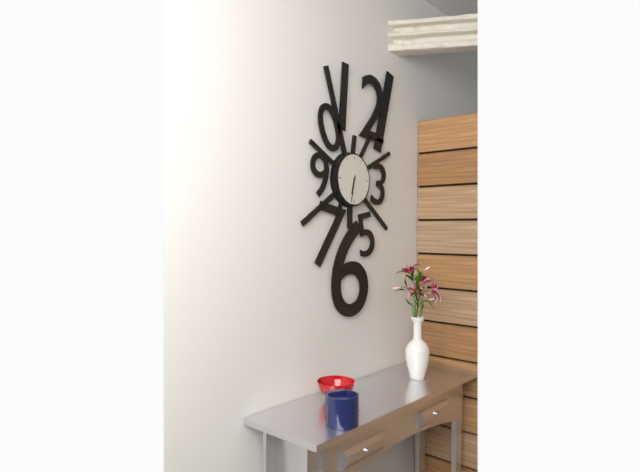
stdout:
{"hour": 6, "minute": 32}
